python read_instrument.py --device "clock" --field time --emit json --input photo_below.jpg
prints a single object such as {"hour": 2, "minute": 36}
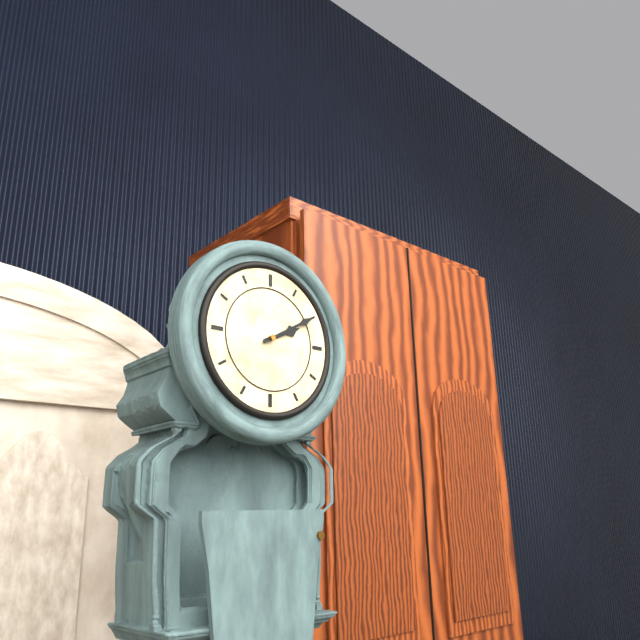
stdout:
{"hour": 2, "minute": 10}
